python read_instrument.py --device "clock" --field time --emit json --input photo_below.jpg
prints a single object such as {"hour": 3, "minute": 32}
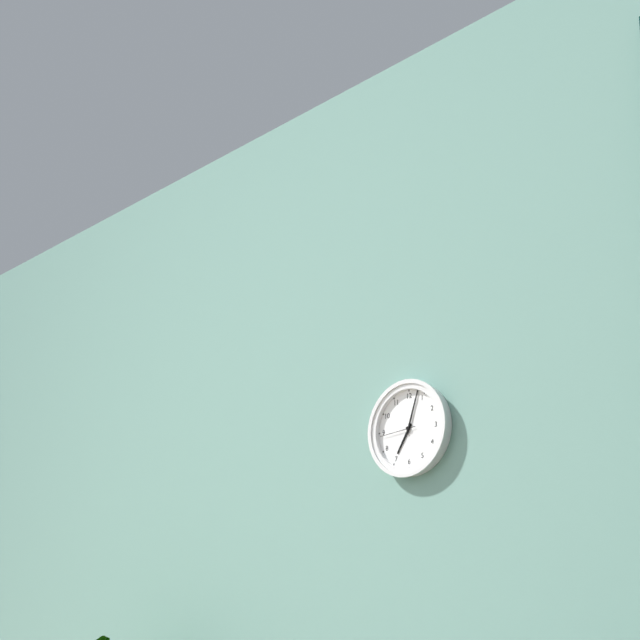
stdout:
{"hour": 7, "minute": 3}
